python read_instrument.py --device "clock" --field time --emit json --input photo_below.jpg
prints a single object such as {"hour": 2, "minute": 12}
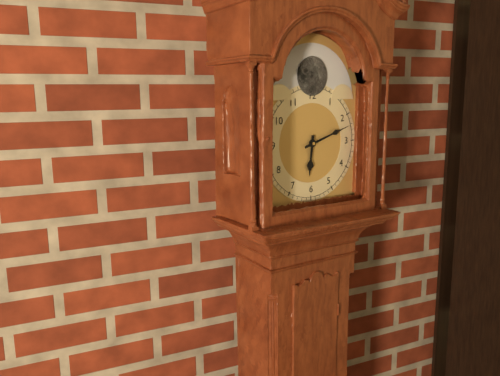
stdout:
{"hour": 6, "minute": 12}
